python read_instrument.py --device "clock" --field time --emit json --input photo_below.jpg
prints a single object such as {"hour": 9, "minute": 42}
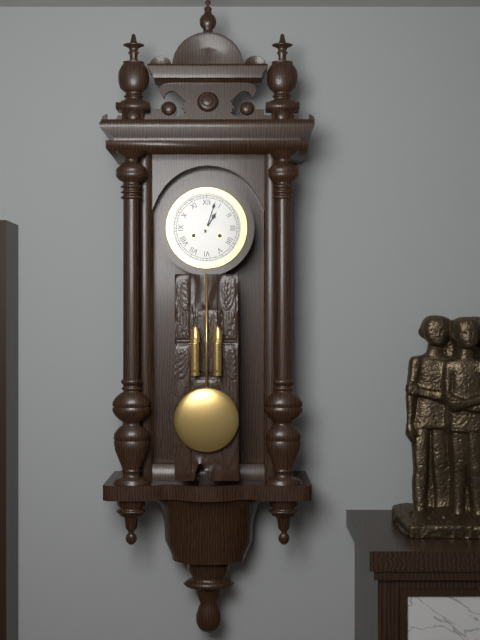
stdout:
{"hour": 1, "minute": 3}
